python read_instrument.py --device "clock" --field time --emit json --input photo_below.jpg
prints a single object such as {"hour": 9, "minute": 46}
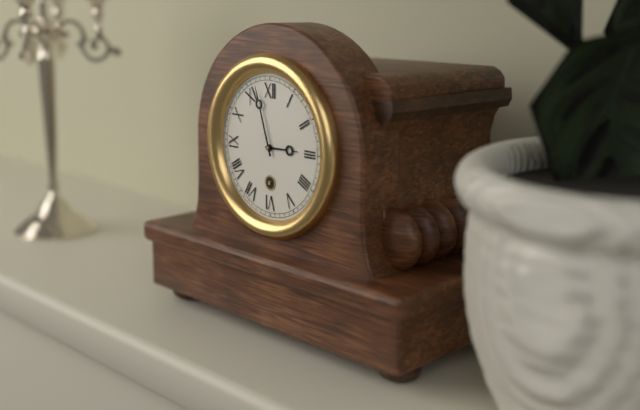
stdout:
{"hour": 2, "minute": 57}
